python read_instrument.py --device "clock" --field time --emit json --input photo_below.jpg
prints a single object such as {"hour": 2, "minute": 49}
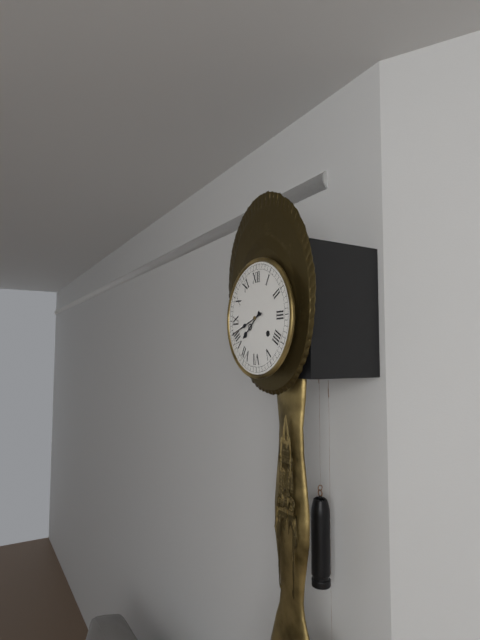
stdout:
{"hour": 7, "minute": 42}
